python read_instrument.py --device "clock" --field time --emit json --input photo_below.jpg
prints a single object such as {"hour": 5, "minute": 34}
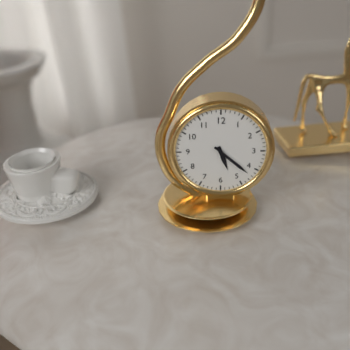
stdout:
{"hour": 5, "minute": 22}
